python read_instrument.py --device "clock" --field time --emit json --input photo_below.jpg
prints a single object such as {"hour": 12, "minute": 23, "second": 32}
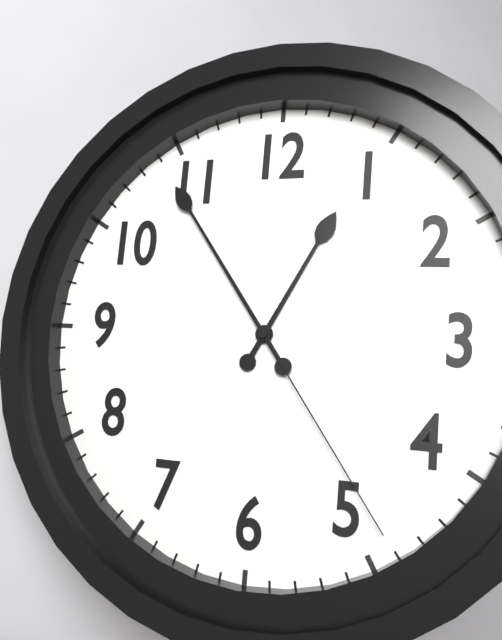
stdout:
{"hour": 12, "minute": 54, "second": 24}
